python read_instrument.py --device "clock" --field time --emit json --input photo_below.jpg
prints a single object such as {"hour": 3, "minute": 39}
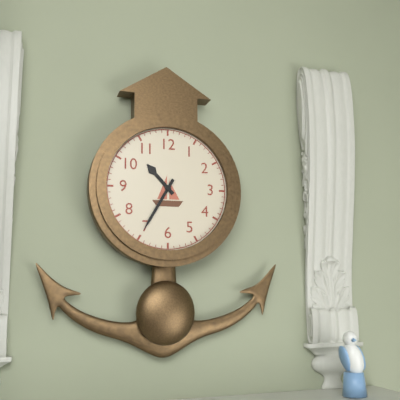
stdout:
{"hour": 10, "minute": 35}
